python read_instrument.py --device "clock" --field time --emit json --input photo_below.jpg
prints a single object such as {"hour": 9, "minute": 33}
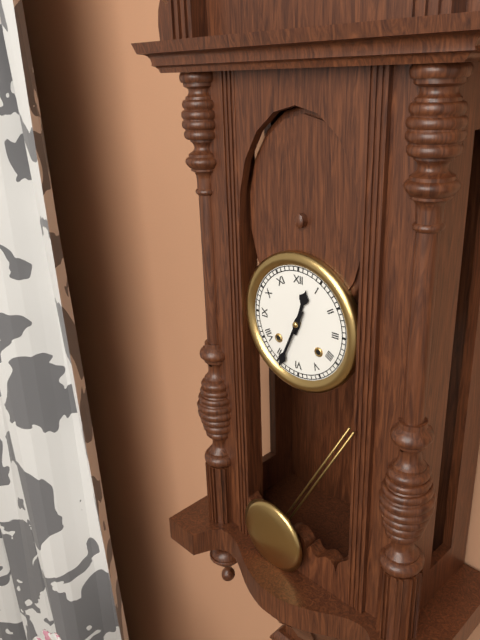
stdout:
{"hour": 12, "minute": 34}
